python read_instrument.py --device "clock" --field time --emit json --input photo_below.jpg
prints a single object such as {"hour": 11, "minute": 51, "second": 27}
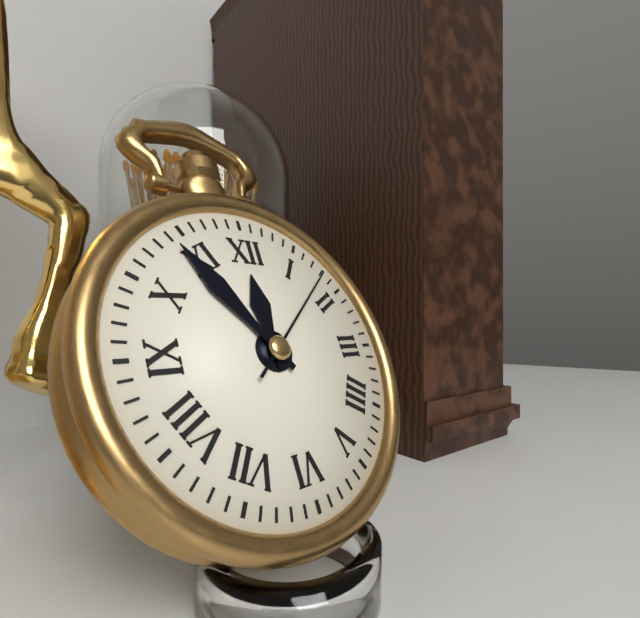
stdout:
{"hour": 11, "minute": 54, "second": 8}
